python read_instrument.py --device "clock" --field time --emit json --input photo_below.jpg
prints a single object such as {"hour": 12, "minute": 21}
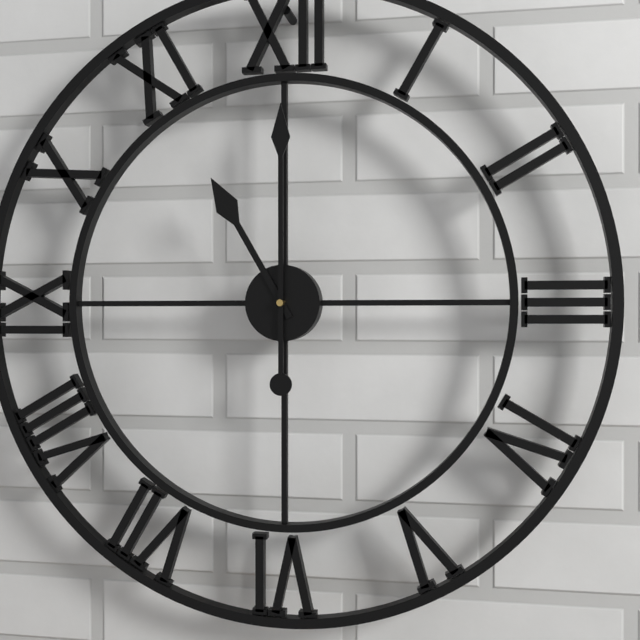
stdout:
{"hour": 11, "minute": 0}
